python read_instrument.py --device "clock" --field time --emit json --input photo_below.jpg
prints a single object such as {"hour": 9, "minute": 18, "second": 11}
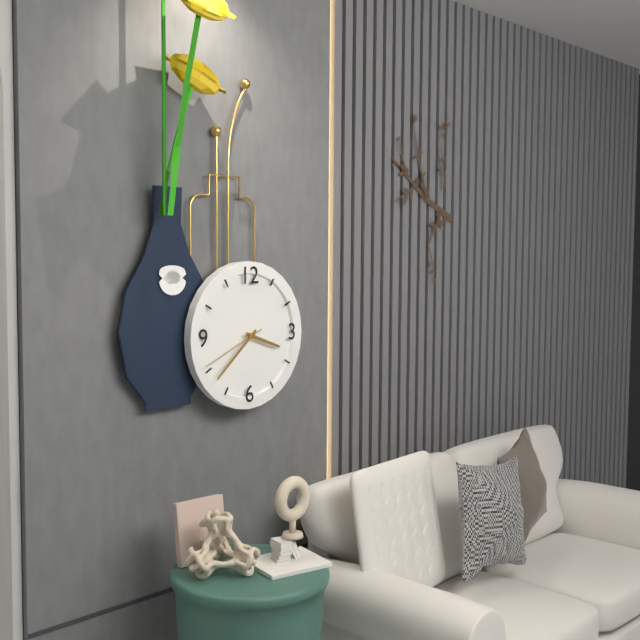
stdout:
{"hour": 3, "minute": 38, "second": 41}
